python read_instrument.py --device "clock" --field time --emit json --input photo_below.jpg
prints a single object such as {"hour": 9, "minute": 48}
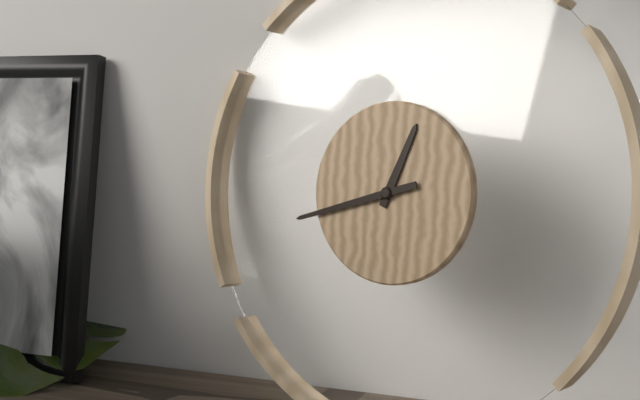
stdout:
{"hour": 12, "minute": 42}
